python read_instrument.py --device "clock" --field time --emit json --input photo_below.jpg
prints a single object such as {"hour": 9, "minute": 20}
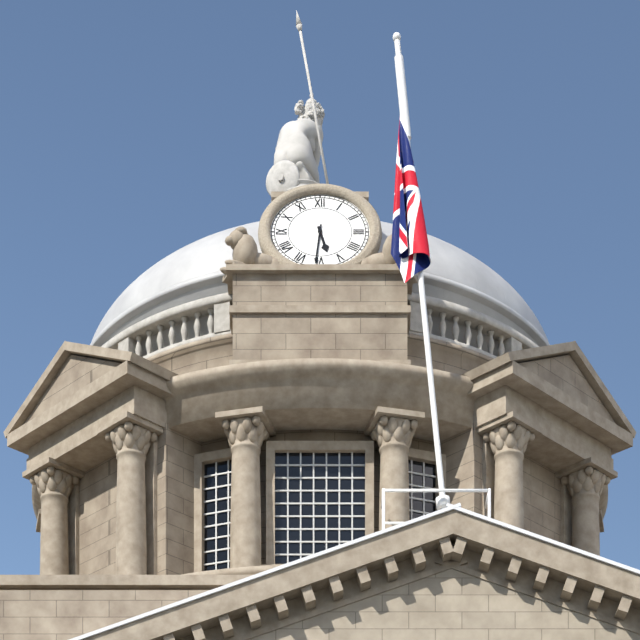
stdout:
{"hour": 5, "minute": 31}
